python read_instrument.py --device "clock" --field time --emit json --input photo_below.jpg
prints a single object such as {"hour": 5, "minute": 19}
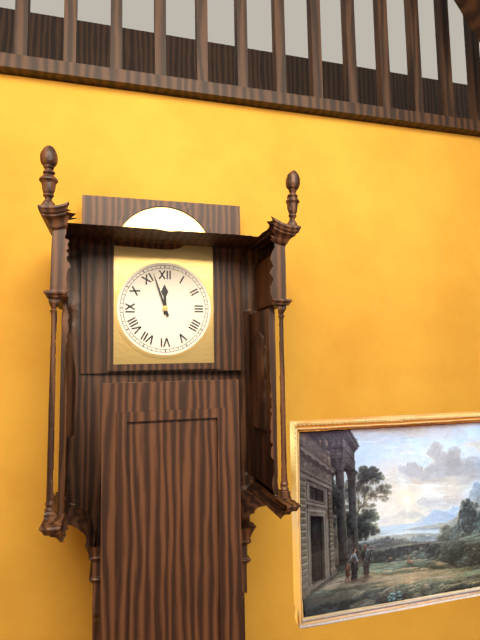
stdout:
{"hour": 11, "minute": 57}
